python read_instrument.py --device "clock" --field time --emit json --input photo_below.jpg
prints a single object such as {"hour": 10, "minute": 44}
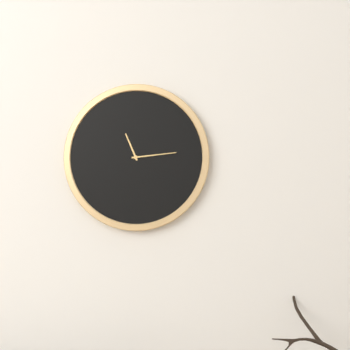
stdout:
{"hour": 11, "minute": 14}
